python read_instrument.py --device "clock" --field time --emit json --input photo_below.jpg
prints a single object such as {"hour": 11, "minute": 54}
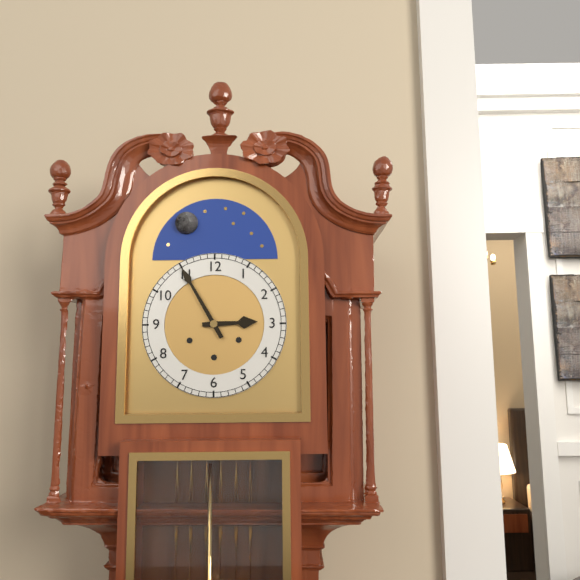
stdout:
{"hour": 2, "minute": 55}
